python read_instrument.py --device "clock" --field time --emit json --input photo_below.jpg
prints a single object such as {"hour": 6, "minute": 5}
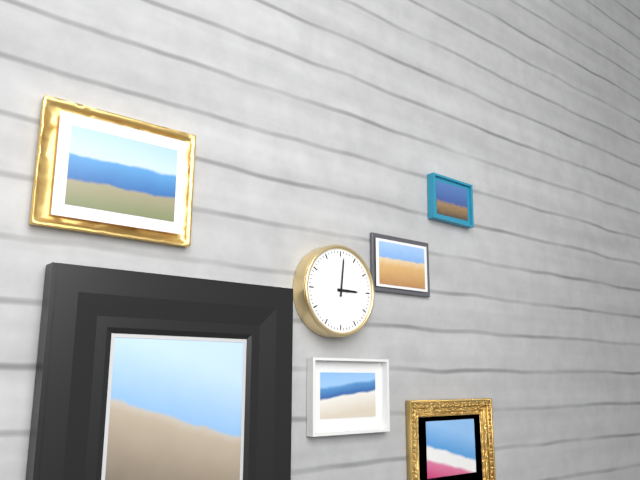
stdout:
{"hour": 3, "minute": 1}
